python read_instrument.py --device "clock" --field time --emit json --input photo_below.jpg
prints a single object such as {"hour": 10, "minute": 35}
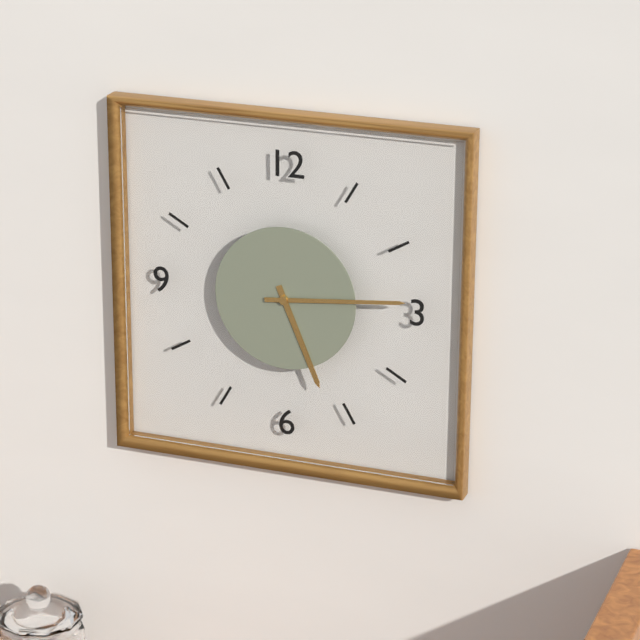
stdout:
{"hour": 5, "minute": 14}
